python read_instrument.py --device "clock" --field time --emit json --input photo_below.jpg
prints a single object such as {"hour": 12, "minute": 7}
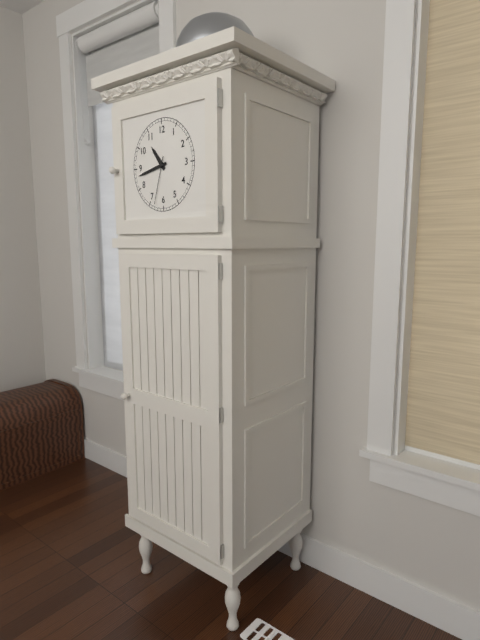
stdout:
{"hour": 10, "minute": 43}
